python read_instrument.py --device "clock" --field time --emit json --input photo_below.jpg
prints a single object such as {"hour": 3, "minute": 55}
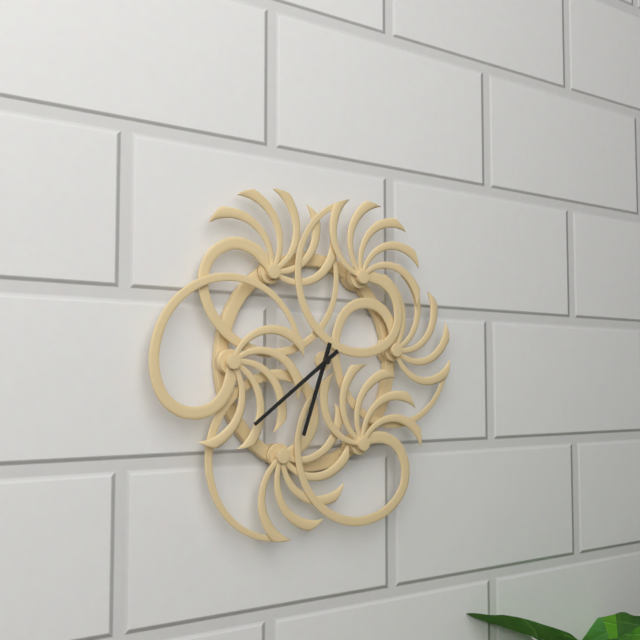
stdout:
{"hour": 6, "minute": 39}
